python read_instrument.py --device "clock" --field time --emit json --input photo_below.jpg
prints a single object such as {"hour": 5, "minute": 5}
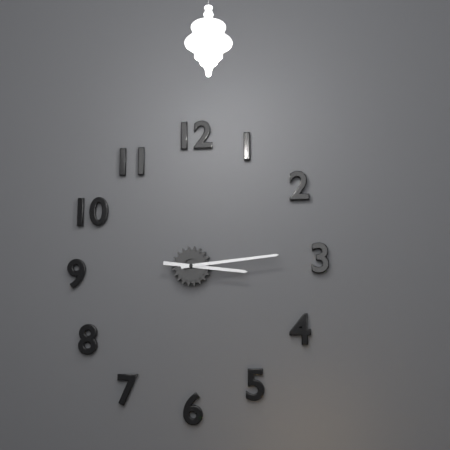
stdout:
{"hour": 3, "minute": 14}
